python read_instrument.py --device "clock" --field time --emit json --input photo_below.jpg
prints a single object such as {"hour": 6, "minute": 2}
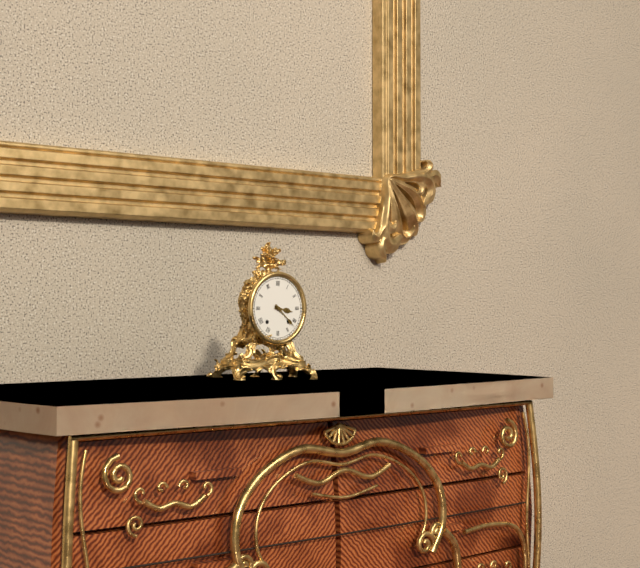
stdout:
{"hour": 3, "minute": 22}
